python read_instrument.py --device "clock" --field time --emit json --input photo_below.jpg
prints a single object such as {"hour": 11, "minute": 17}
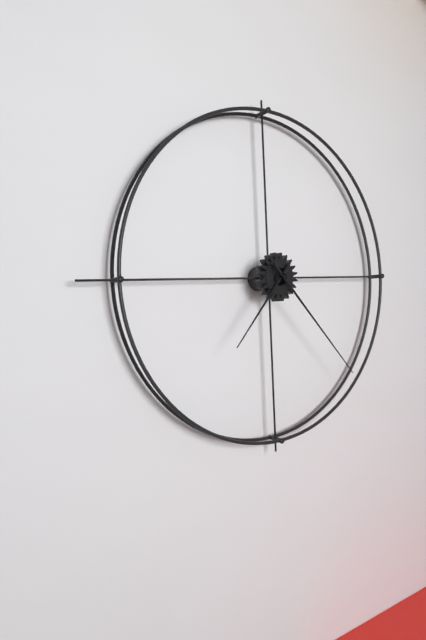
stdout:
{"hour": 7, "minute": 23}
